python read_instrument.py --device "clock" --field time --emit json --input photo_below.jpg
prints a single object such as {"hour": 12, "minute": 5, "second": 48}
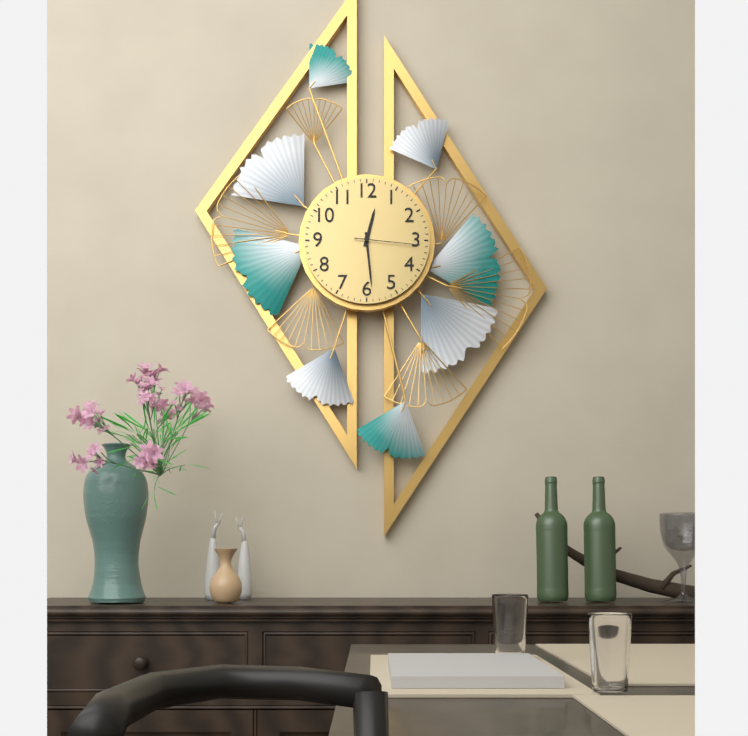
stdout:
{"hour": 12, "minute": 29, "second": 16}
